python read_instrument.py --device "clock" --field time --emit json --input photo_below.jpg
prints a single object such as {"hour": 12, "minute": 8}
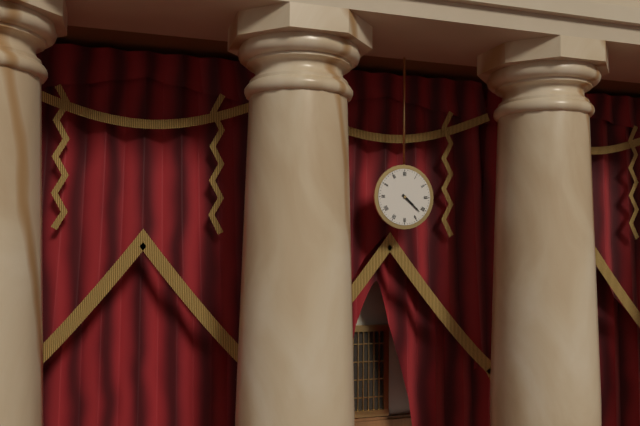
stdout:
{"hour": 4, "minute": 22}
